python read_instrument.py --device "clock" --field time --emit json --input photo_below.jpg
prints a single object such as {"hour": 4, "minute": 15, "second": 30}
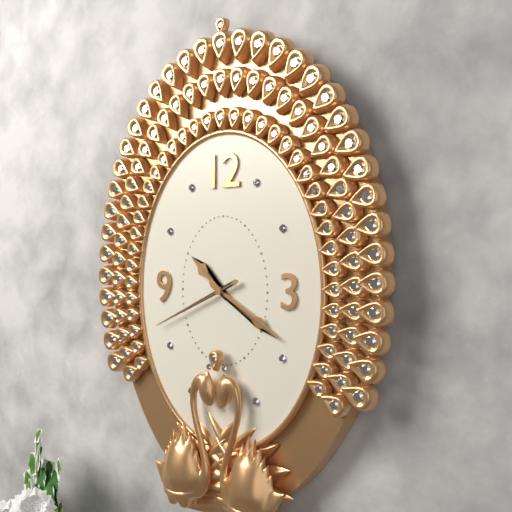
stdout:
{"hour": 10, "minute": 20, "second": 41}
